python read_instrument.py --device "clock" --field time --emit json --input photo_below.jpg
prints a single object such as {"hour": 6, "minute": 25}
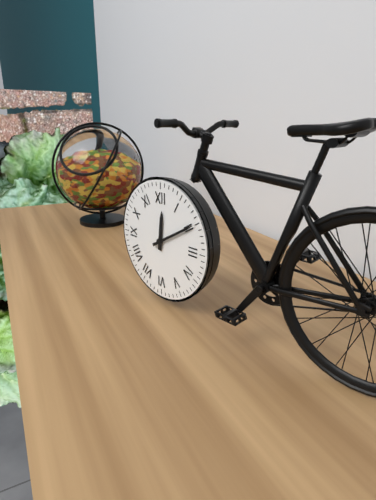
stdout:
{"hour": 12, "minute": 10}
